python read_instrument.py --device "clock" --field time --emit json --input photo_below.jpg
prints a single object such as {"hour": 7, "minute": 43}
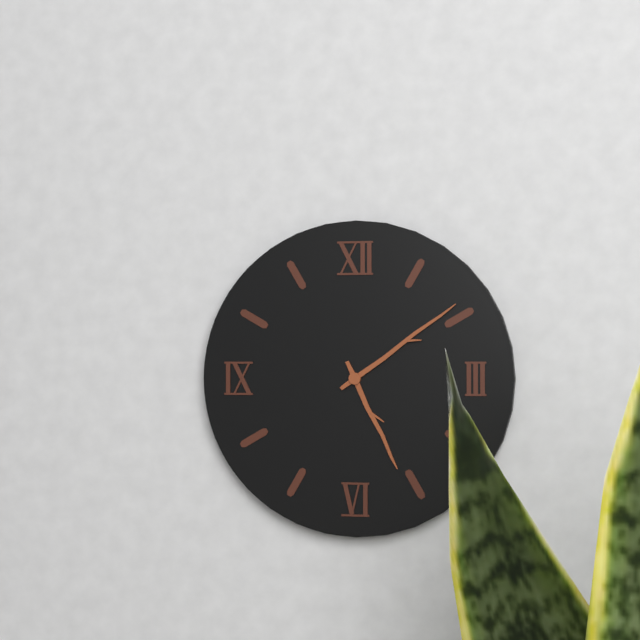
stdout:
{"hour": 5, "minute": 9}
